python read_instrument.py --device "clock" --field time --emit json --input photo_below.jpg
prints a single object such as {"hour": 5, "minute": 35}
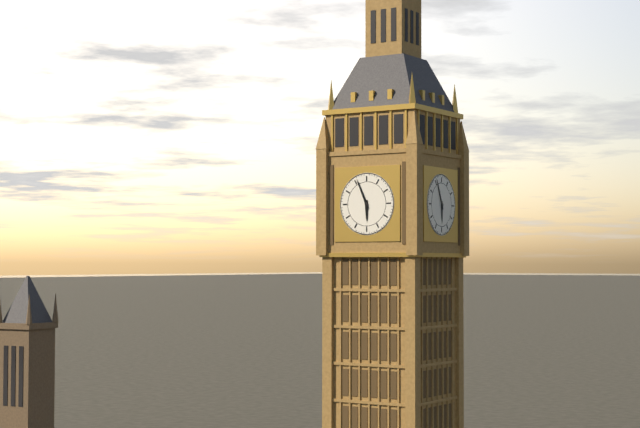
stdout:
{"hour": 5, "minute": 56}
